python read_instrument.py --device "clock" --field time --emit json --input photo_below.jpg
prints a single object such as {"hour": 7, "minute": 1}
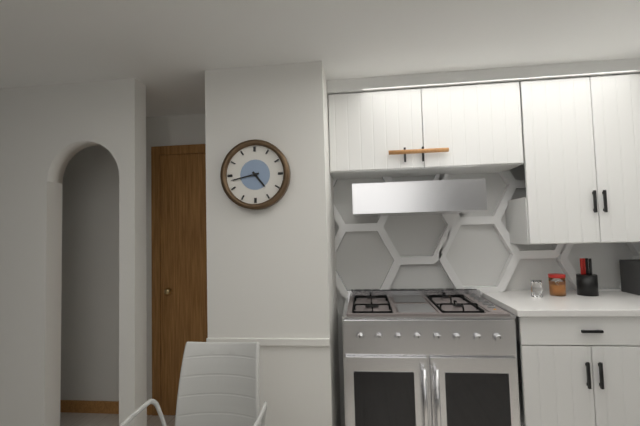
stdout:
{"hour": 4, "minute": 43}
